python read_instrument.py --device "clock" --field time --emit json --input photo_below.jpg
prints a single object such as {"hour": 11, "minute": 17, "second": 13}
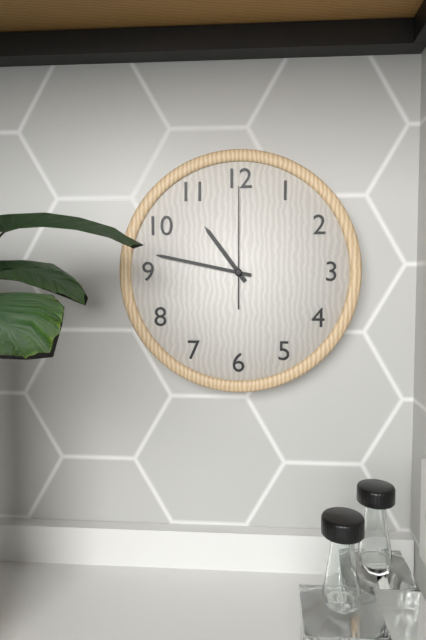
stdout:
{"hour": 10, "minute": 47, "second": 0}
